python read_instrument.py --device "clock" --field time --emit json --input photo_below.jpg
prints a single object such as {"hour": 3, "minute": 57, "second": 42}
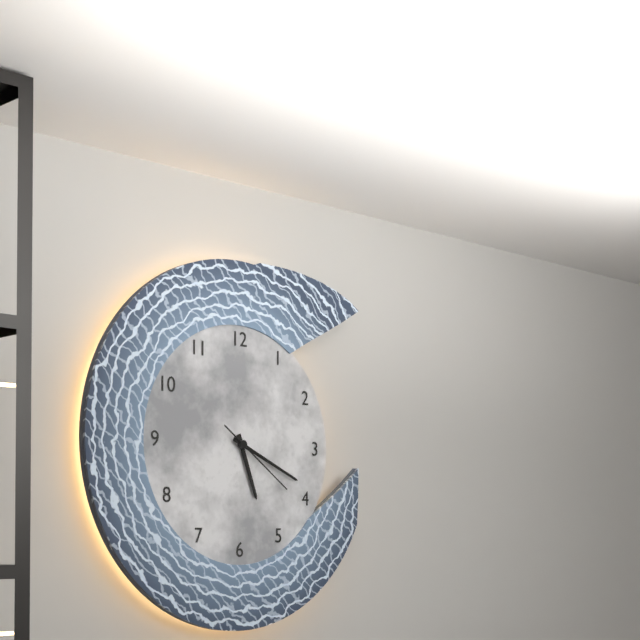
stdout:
{"hour": 5, "minute": 19, "second": 21}
